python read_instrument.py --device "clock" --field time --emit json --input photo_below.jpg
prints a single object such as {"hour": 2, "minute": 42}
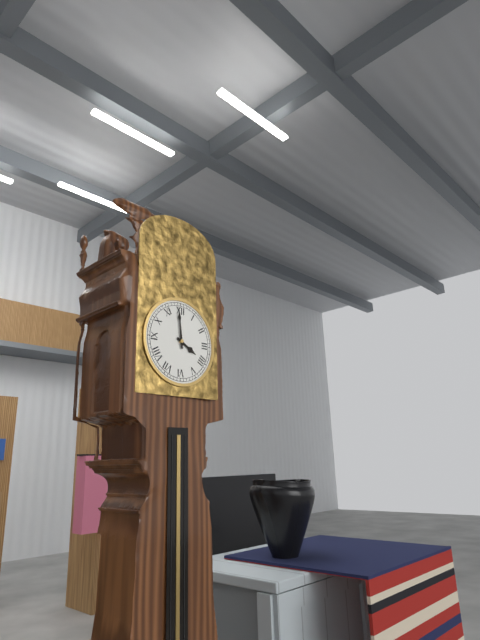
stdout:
{"hour": 3, "minute": 59}
